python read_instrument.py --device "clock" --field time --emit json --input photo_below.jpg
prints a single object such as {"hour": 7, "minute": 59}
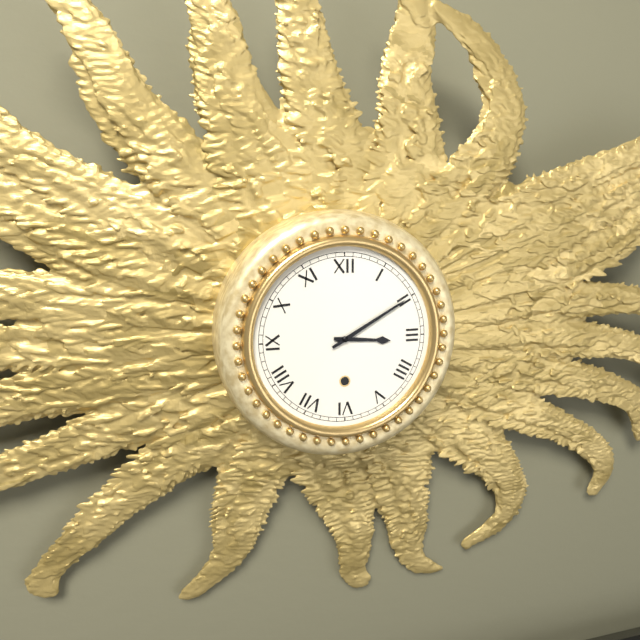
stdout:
{"hour": 3, "minute": 10}
